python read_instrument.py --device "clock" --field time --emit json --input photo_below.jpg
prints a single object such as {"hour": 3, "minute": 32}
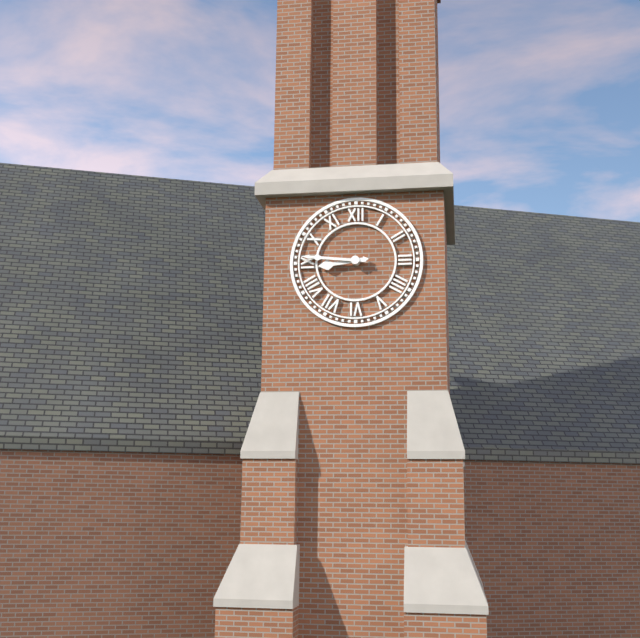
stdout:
{"hour": 8, "minute": 46}
